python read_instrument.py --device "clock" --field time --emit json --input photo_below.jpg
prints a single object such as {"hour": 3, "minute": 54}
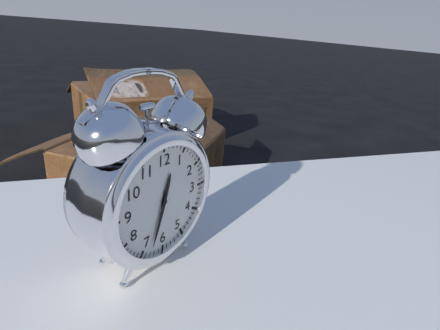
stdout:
{"hour": 12, "minute": 33}
